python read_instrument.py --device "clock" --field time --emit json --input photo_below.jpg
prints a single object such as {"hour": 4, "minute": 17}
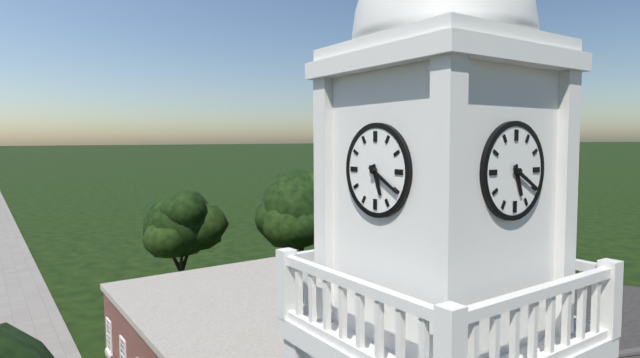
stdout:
{"hour": 5, "minute": 20}
